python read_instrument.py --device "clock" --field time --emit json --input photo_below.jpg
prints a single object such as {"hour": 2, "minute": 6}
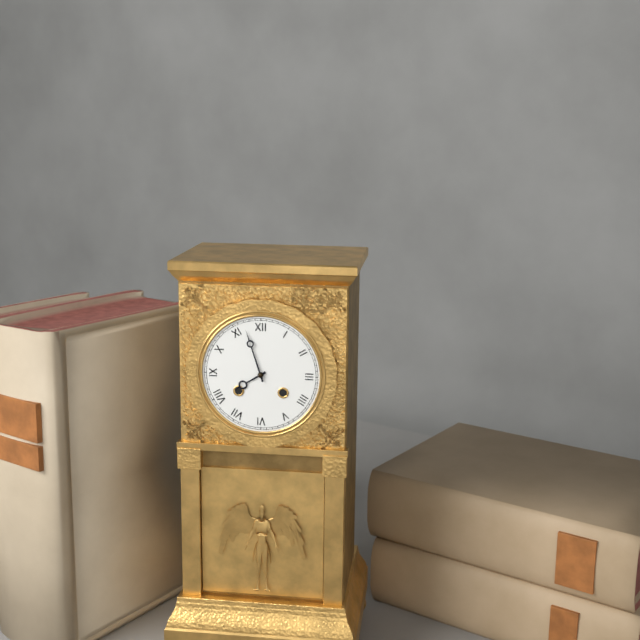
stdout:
{"hour": 7, "minute": 57}
